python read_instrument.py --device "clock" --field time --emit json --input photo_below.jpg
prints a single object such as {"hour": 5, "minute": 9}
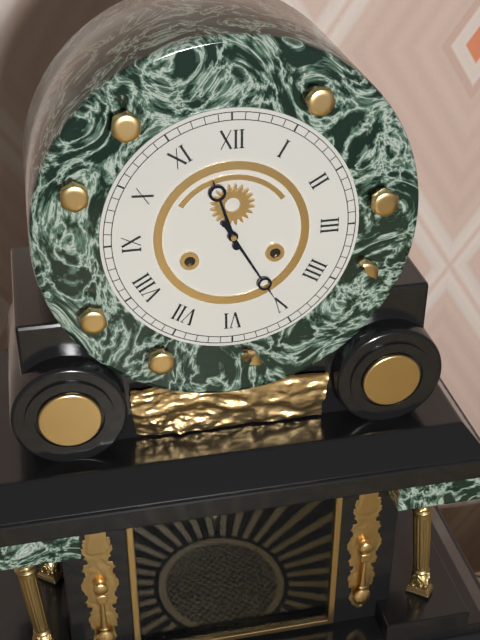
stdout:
{"hour": 11, "minute": 25}
